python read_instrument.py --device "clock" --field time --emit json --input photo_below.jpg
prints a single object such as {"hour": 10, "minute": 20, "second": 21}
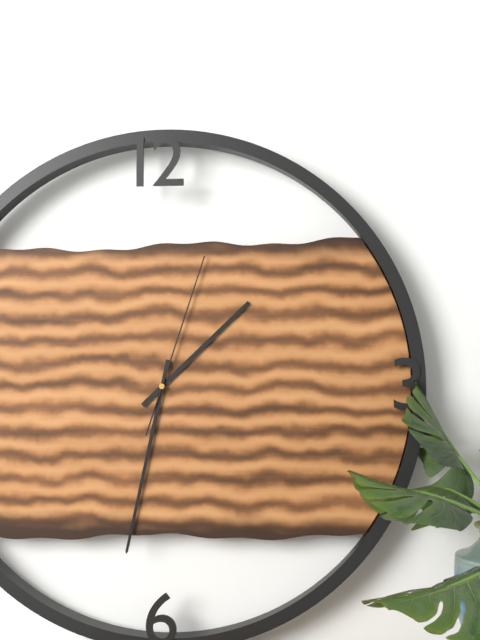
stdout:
{"hour": 1, "minute": 32, "second": 3}
